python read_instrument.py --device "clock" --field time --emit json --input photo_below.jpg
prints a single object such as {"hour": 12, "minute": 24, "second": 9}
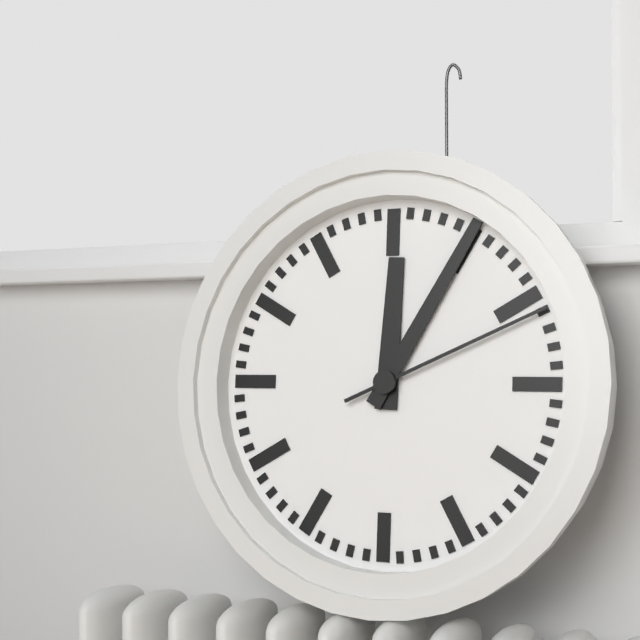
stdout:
{"hour": 12, "minute": 5, "second": 11}
